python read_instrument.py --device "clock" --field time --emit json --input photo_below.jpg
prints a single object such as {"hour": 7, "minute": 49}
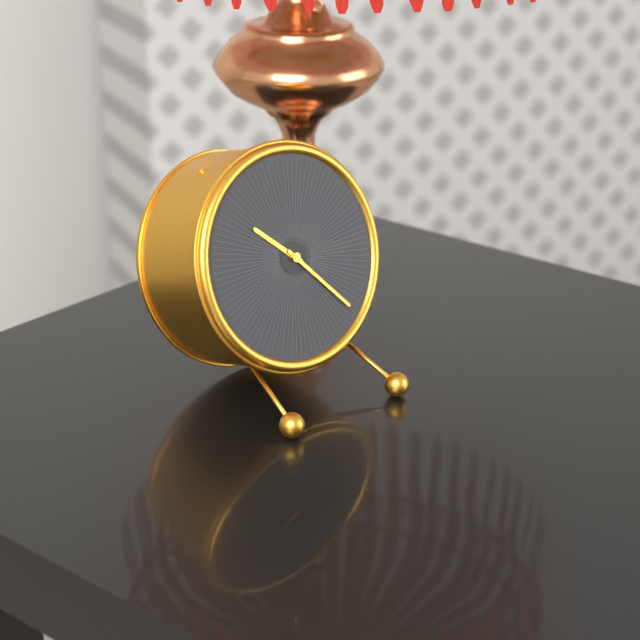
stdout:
{"hour": 10, "minute": 23}
